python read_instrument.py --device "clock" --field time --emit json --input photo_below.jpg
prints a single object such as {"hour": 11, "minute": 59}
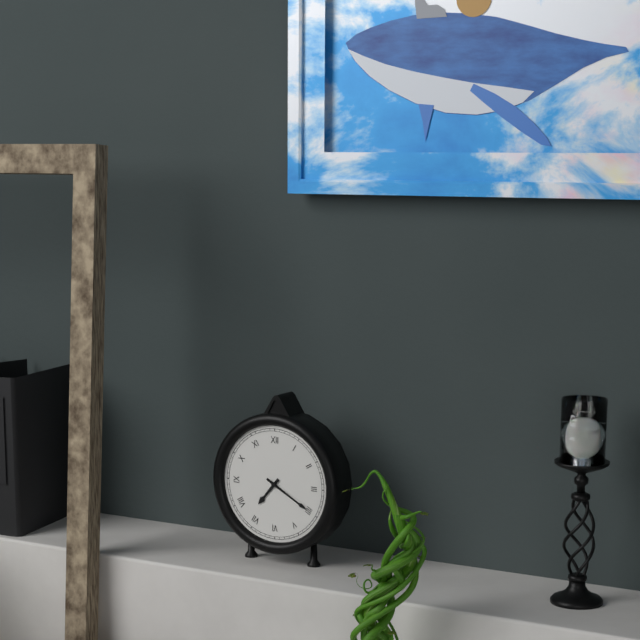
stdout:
{"hour": 7, "minute": 20}
